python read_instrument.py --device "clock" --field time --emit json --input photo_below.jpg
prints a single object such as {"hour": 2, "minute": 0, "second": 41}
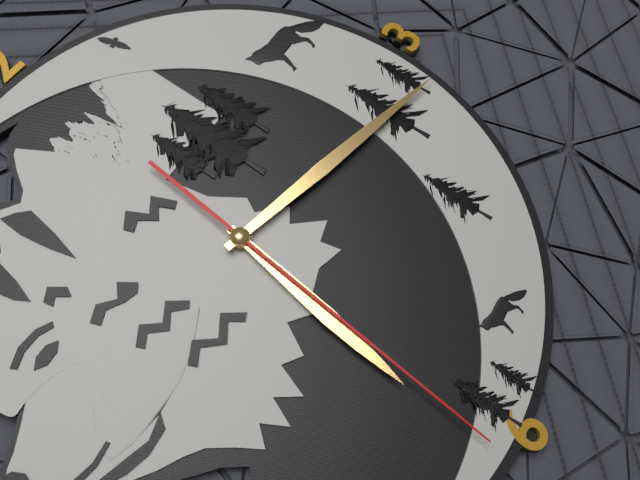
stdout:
{"hour": 6, "minute": 17, "second": 31}
